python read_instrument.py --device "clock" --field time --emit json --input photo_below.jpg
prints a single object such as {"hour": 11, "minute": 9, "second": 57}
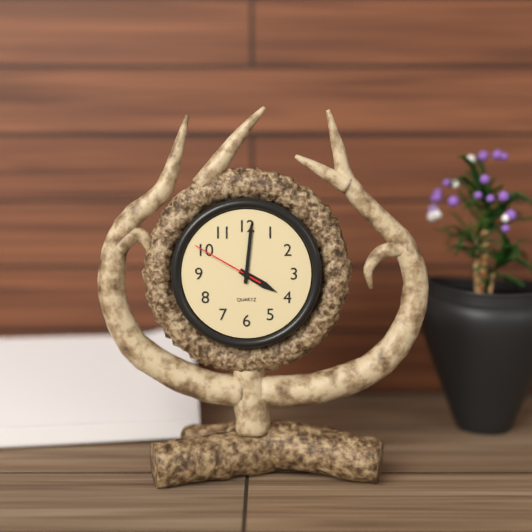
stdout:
{"hour": 4, "minute": 1, "second": 50}
